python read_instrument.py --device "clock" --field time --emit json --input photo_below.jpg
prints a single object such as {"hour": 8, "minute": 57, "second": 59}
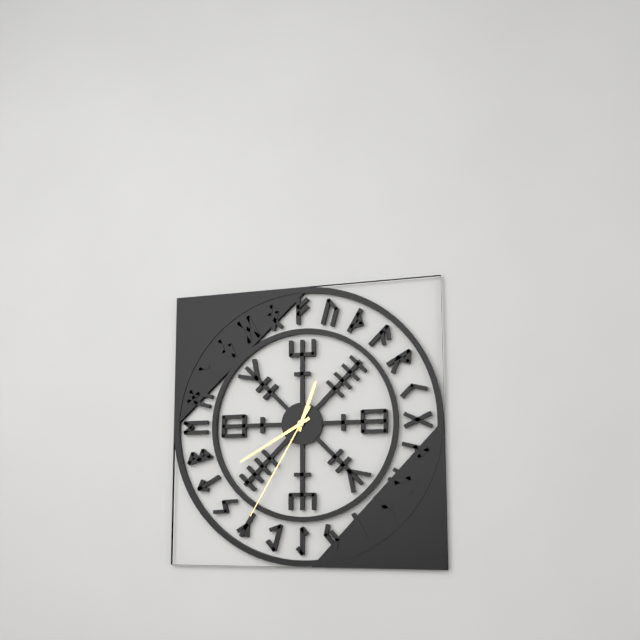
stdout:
{"hour": 12, "minute": 40, "second": 35}
